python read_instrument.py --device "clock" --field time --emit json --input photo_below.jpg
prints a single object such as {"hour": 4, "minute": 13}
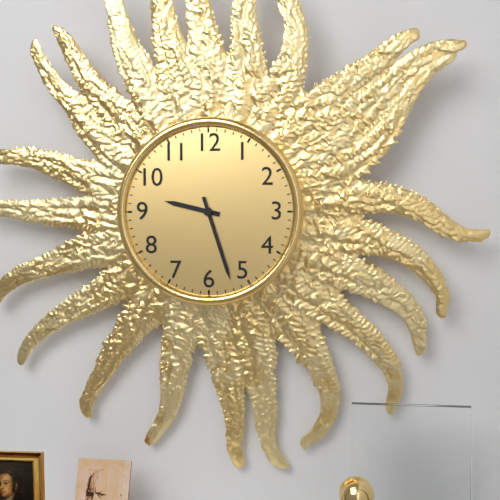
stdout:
{"hour": 9, "minute": 27}
